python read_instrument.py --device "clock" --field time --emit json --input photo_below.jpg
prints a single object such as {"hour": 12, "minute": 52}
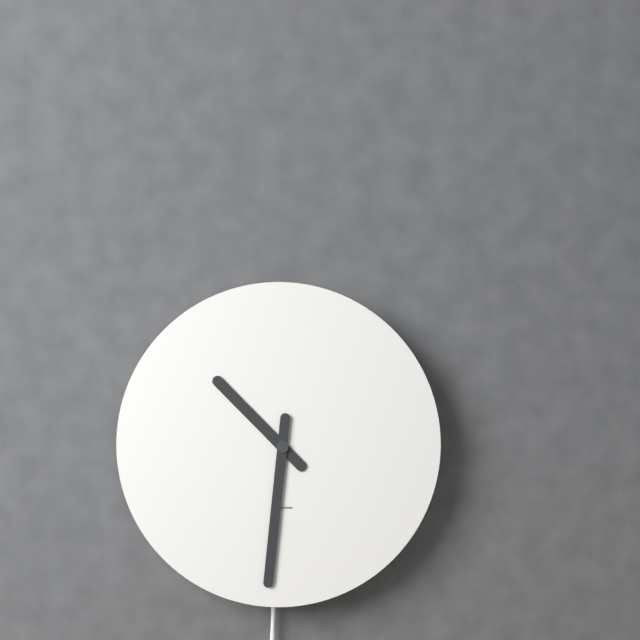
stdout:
{"hour": 10, "minute": 31}
